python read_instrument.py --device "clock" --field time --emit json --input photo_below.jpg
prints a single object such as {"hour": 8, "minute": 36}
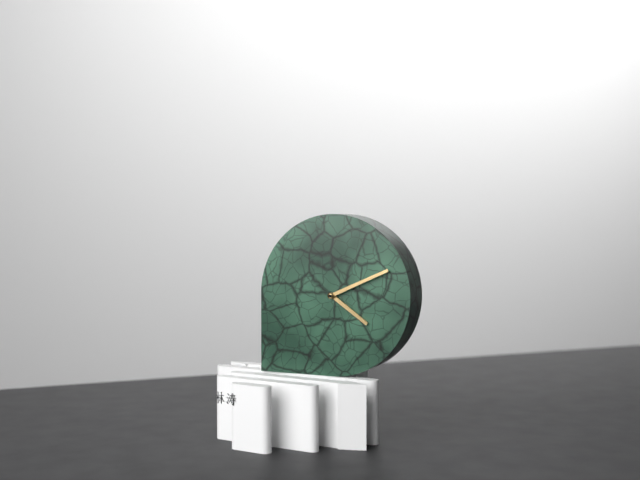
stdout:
{"hour": 4, "minute": 11}
